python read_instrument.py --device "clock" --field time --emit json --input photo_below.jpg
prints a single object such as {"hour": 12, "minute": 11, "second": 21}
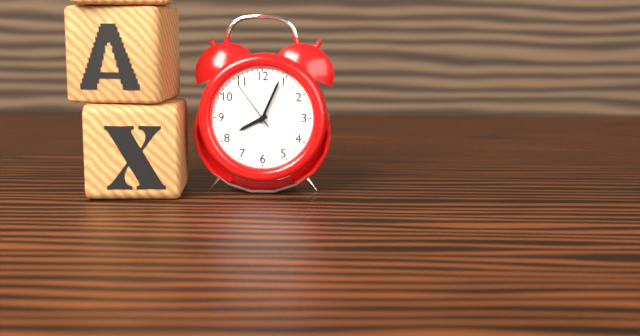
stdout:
{"hour": 8, "minute": 4, "second": 54}
